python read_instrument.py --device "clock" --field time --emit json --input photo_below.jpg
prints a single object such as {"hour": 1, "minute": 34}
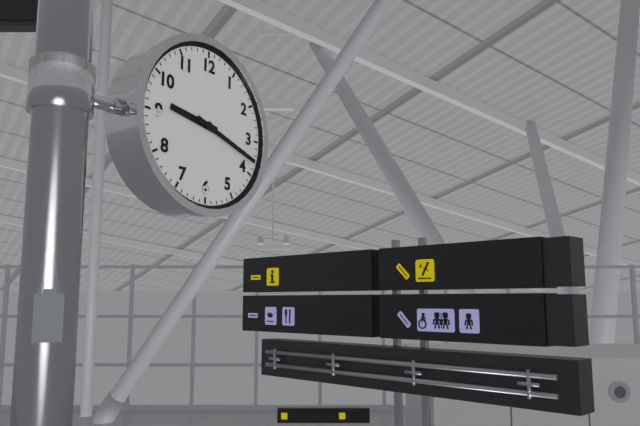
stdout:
{"hour": 9, "minute": 18}
